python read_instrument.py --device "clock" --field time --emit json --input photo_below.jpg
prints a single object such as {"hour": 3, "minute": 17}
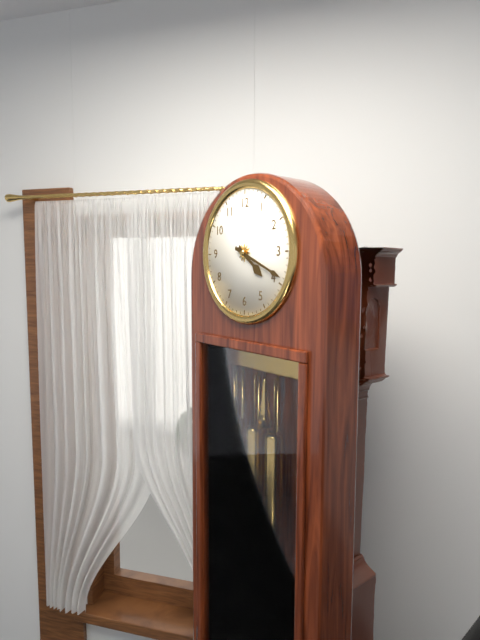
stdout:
{"hour": 4, "minute": 19}
